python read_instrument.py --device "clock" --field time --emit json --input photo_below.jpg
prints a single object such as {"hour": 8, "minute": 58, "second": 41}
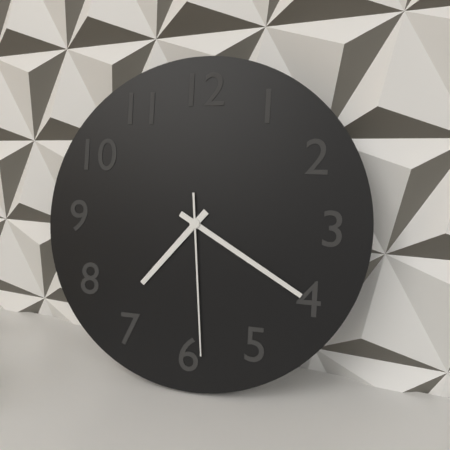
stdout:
{"hour": 7, "minute": 20, "second": 29}
